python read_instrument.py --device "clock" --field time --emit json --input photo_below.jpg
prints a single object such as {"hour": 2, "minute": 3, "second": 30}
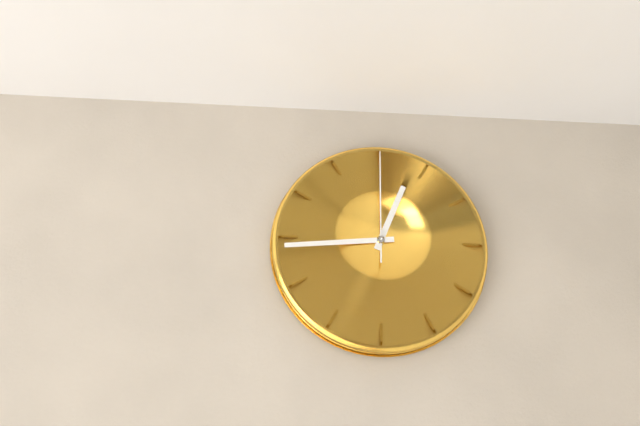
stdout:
{"hour": 12, "minute": 44, "second": 0}
